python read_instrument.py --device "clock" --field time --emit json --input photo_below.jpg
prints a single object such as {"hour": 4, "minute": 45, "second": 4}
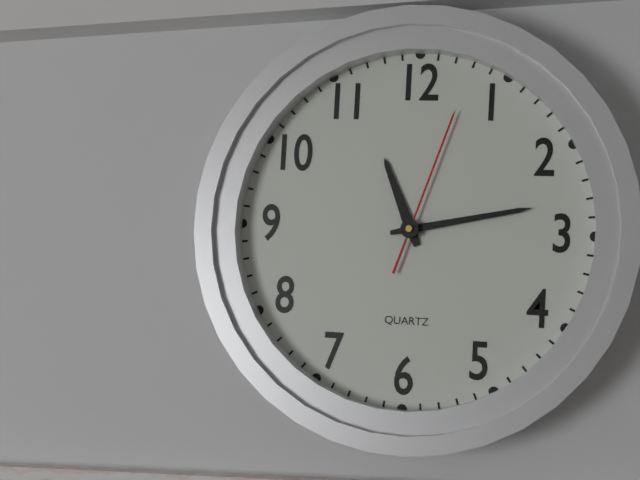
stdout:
{"hour": 11, "minute": 13, "second": 3}
